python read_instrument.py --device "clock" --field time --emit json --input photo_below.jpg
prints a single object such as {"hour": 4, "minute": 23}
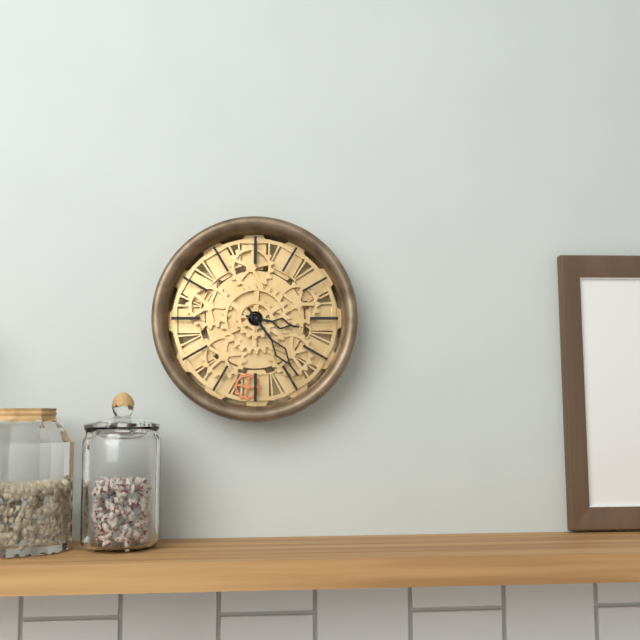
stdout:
{"hour": 3, "minute": 24}
